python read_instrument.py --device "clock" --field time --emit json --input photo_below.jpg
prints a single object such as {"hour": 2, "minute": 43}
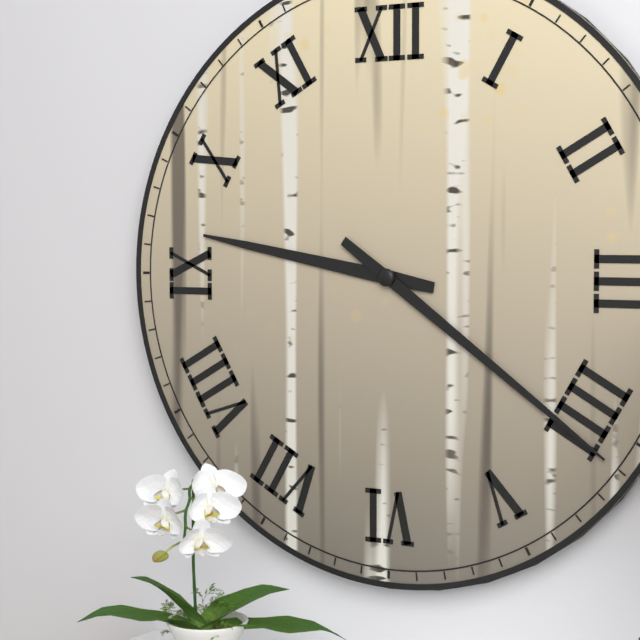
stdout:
{"hour": 9, "minute": 21}
